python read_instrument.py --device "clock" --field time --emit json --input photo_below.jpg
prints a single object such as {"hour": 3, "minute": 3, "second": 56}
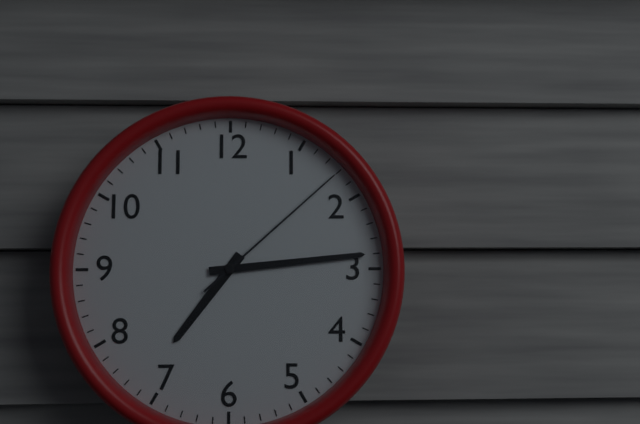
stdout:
{"hour": 7, "minute": 14, "second": 8}
